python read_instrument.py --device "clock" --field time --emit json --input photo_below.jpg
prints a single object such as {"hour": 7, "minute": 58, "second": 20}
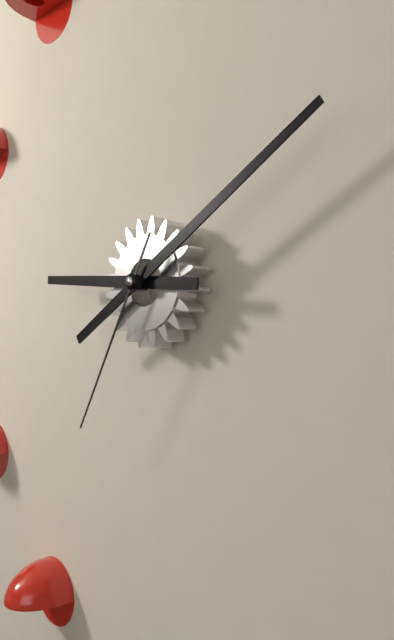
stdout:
{"hour": 9, "minute": 10, "second": 35}
